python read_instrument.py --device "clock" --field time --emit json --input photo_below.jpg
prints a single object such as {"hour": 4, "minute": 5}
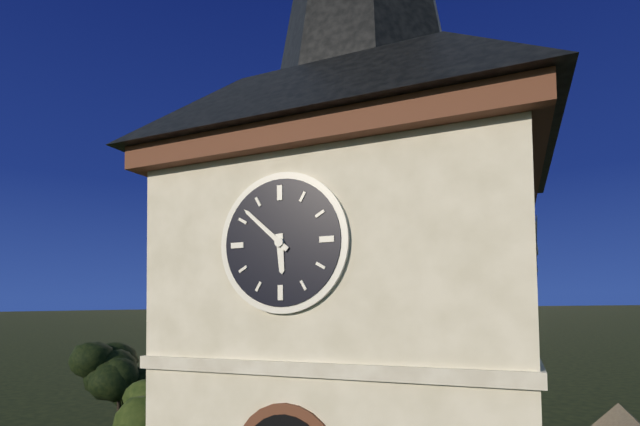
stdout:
{"hour": 5, "minute": 52}
